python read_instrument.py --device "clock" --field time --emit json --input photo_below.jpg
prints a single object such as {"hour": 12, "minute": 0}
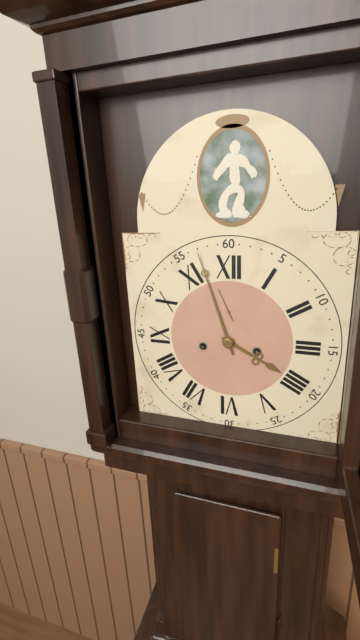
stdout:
{"hour": 3, "minute": 57}
